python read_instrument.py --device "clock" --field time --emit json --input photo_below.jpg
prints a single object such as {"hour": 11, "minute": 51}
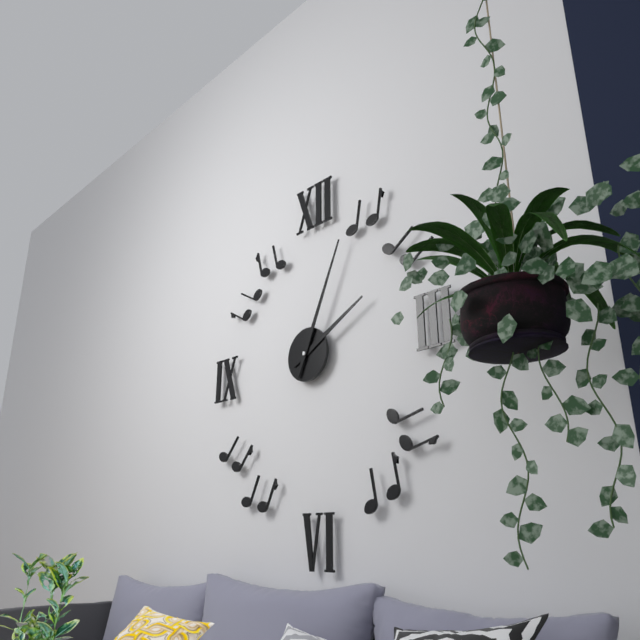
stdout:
{"hour": 2, "minute": 4}
